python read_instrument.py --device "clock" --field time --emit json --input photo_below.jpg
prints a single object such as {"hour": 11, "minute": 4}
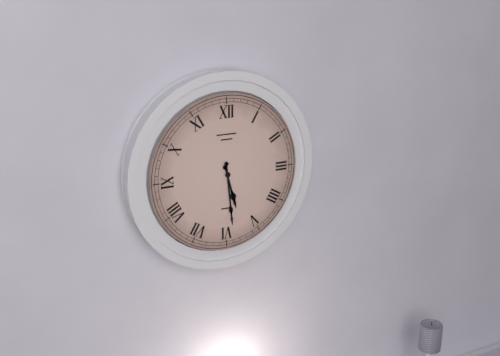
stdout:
{"hour": 5, "minute": 29}
